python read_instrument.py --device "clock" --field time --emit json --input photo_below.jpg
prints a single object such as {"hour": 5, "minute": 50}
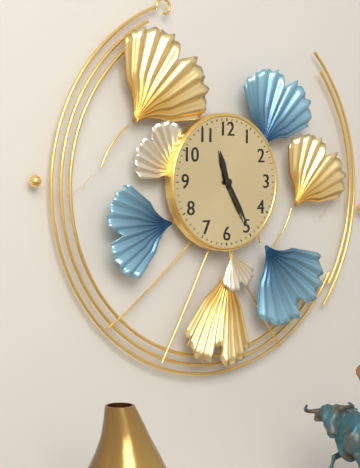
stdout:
{"hour": 11, "minute": 25}
